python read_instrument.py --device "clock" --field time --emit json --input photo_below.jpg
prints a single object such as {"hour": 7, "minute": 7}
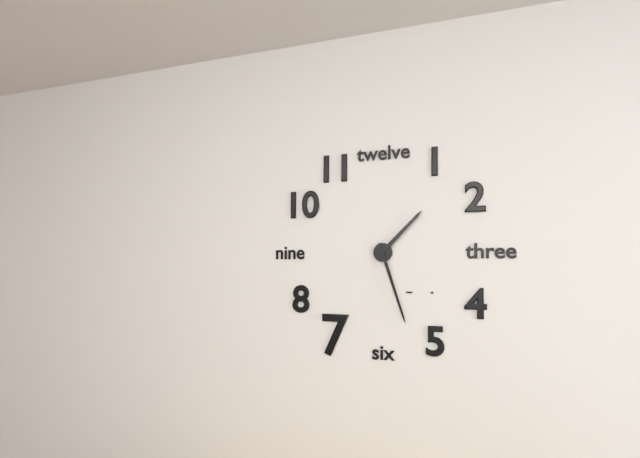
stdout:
{"hour": 1, "minute": 27}
